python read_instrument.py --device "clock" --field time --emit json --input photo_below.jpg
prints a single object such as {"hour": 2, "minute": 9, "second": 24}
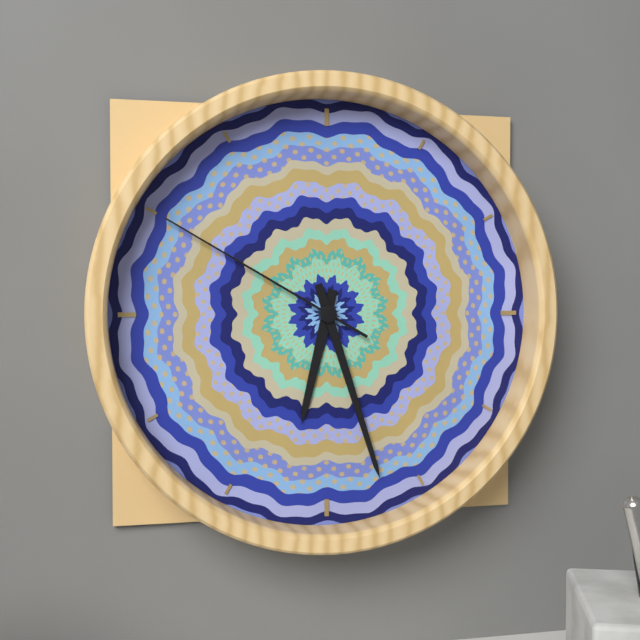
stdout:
{"hour": 6, "minute": 27, "second": 50}
